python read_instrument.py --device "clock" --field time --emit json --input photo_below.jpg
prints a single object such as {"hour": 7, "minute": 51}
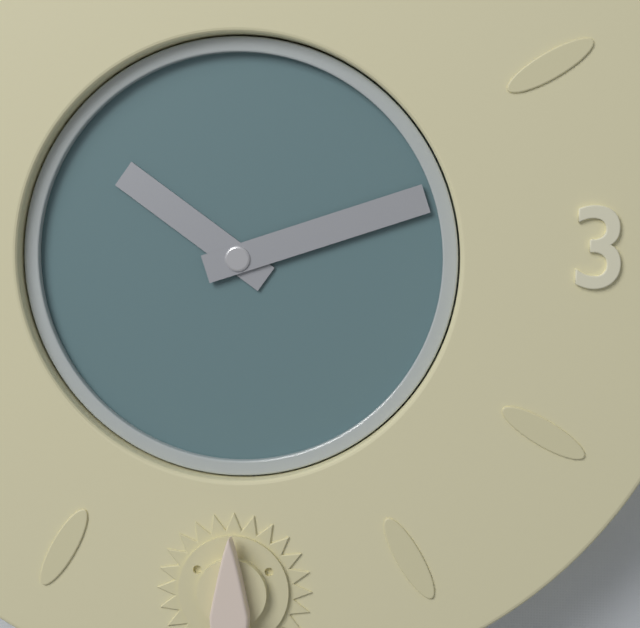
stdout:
{"hour": 10, "minute": 12}
